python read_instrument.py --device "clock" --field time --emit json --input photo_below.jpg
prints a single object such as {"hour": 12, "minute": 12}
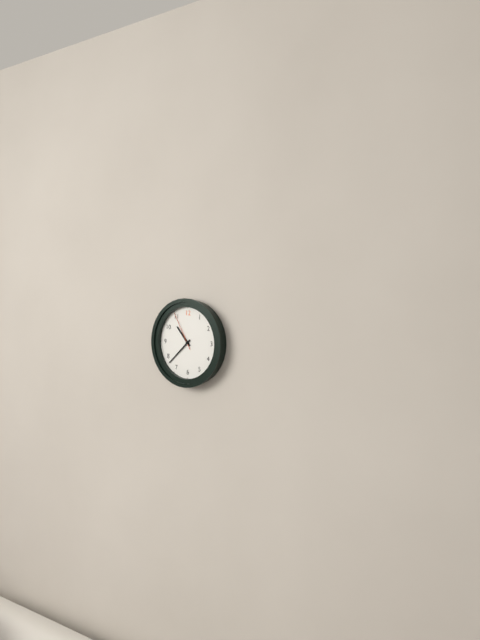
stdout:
{"hour": 10, "minute": 38}
